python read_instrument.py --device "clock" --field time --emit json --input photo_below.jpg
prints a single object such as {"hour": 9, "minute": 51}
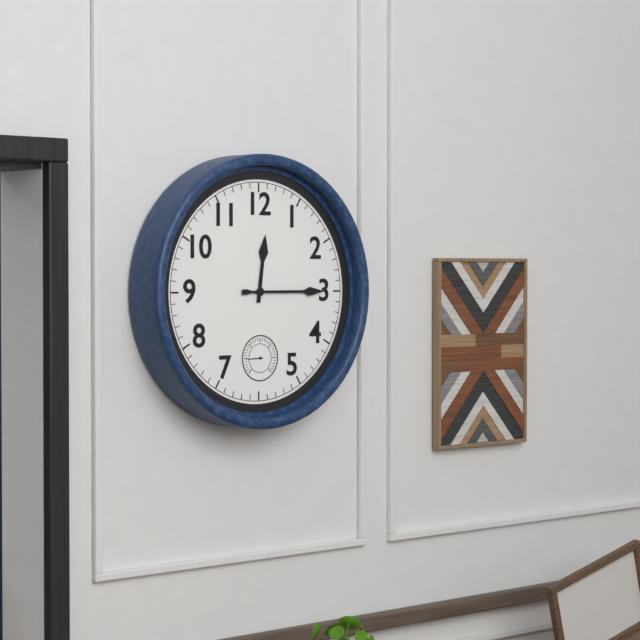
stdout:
{"hour": 12, "minute": 15}
